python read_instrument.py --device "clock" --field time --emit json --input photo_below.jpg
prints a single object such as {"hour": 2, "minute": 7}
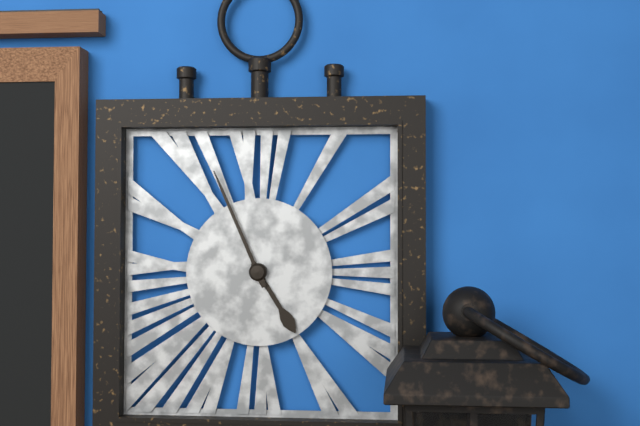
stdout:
{"hour": 4, "minute": 56}
